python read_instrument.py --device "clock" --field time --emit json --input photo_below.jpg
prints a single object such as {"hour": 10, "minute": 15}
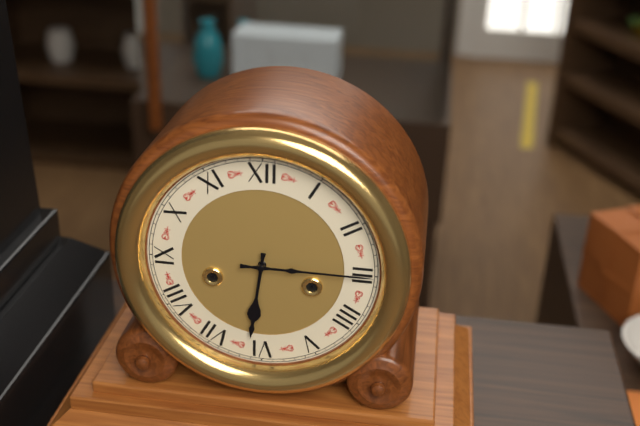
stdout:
{"hour": 6, "minute": 15}
